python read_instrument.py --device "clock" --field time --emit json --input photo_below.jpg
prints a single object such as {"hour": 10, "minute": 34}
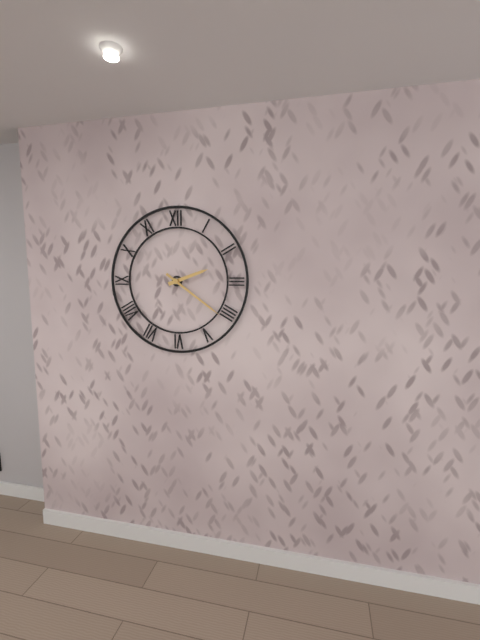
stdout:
{"hour": 2, "minute": 21}
